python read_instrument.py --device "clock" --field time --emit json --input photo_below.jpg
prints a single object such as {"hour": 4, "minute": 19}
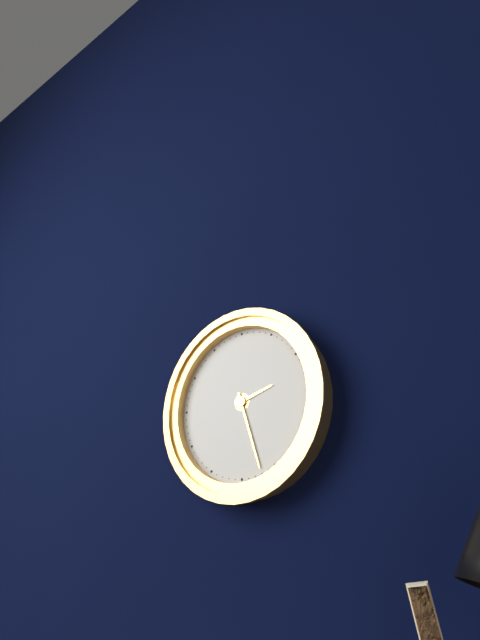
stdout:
{"hour": 2, "minute": 27}
